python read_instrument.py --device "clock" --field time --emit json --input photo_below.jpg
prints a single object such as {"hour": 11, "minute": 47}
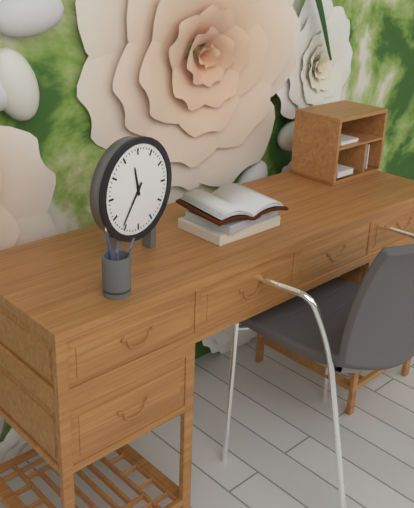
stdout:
{"hour": 11, "minute": 36}
